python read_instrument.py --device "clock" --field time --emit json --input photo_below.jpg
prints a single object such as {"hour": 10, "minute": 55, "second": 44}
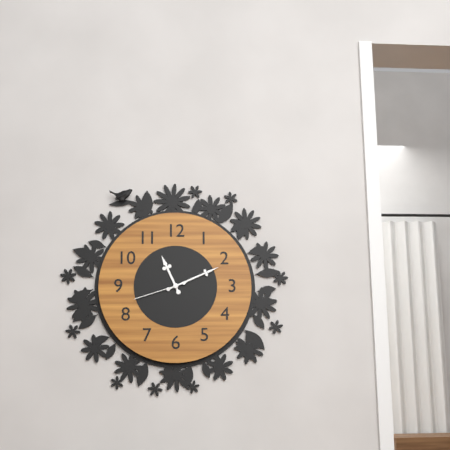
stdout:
{"hour": 11, "minute": 11, "second": 42}
